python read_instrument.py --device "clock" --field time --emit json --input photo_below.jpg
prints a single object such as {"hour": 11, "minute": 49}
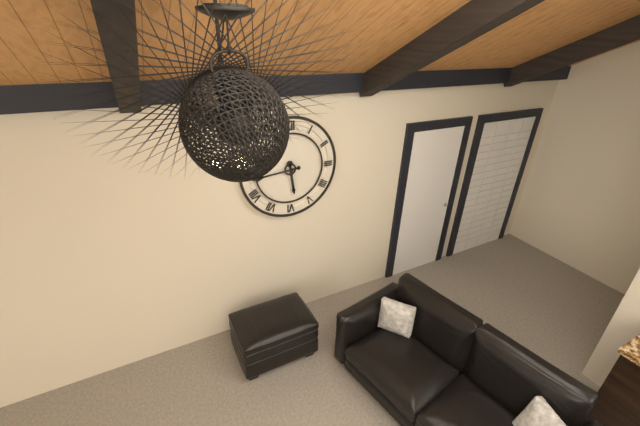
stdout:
{"hour": 5, "minute": 44}
